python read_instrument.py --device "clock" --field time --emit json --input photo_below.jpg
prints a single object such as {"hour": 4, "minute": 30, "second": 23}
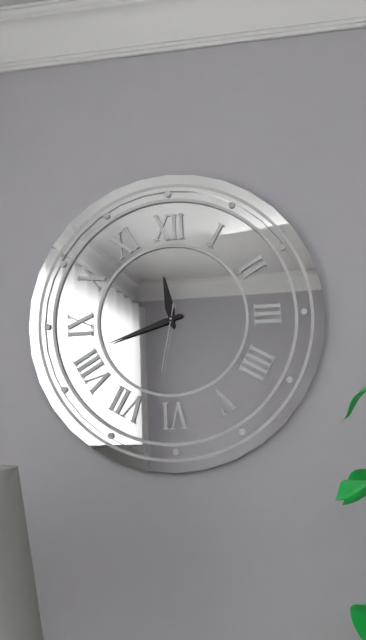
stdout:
{"hour": 11, "minute": 42, "second": 32}
